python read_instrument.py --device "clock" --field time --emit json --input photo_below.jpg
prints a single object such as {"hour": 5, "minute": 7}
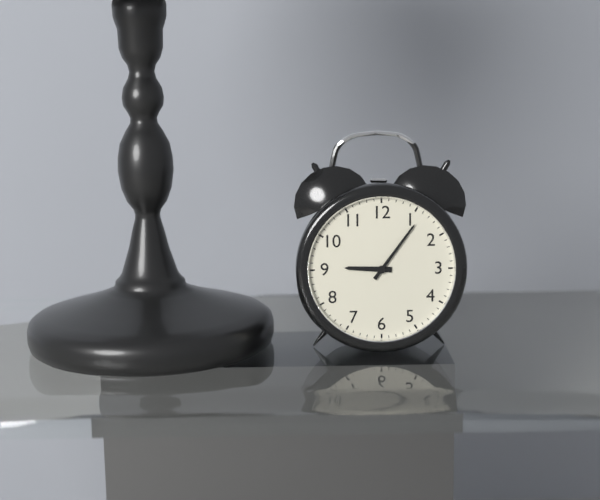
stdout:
{"hour": 9, "minute": 6}
